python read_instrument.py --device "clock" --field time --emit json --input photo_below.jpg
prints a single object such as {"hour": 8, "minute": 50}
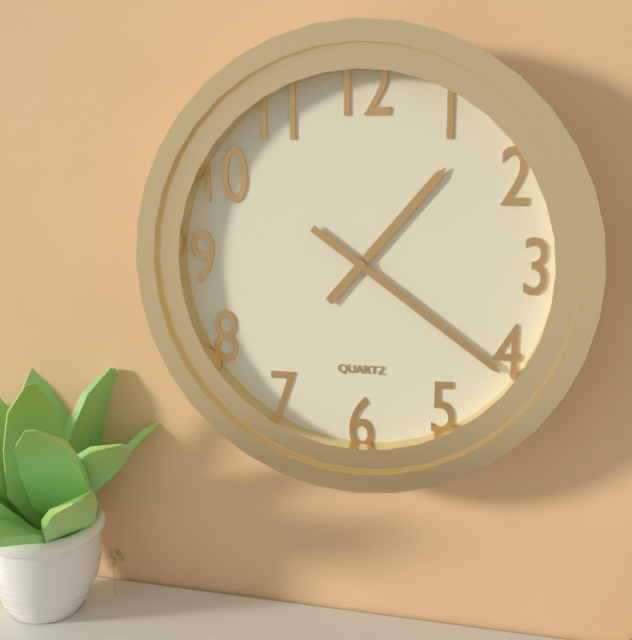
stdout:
{"hour": 1, "minute": 21}
